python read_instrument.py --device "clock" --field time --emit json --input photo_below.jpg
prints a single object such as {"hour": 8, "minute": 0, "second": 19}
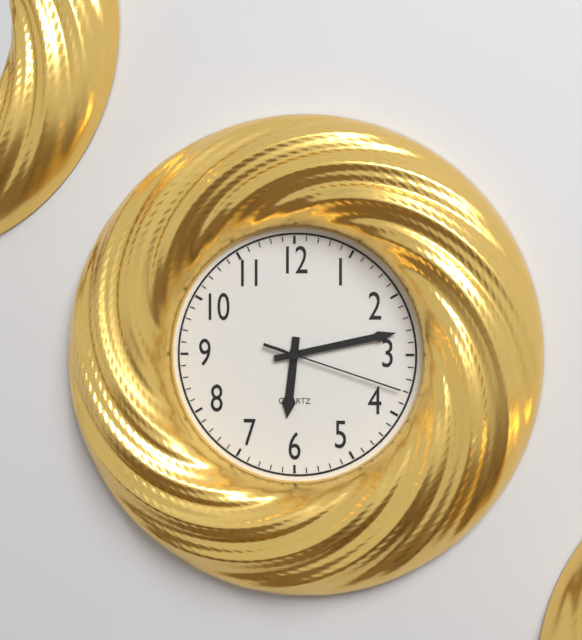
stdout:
{"hour": 6, "minute": 13, "second": 18}
